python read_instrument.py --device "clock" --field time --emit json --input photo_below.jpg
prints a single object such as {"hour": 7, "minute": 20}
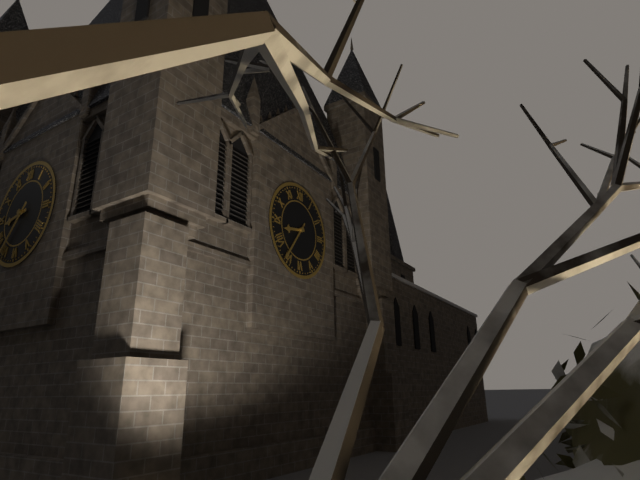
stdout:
{"hour": 8, "minute": 36}
